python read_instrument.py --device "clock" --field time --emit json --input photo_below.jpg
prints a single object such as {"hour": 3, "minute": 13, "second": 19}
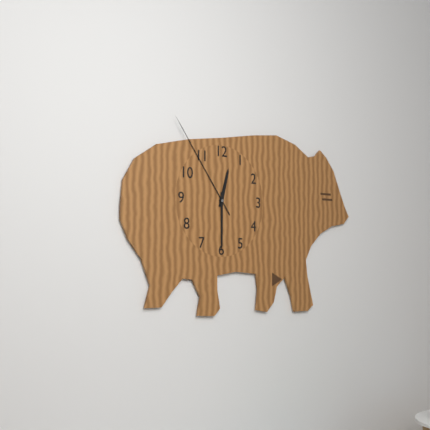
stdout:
{"hour": 12, "minute": 30, "second": 54}
